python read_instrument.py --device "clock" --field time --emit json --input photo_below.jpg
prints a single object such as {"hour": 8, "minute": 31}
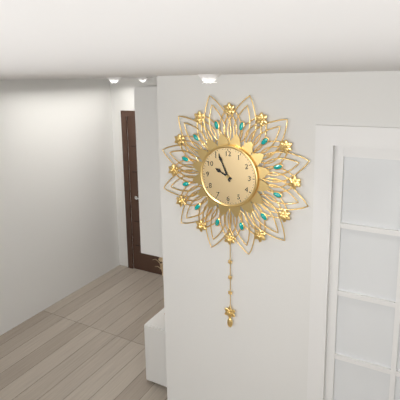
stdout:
{"hour": 9, "minute": 56}
